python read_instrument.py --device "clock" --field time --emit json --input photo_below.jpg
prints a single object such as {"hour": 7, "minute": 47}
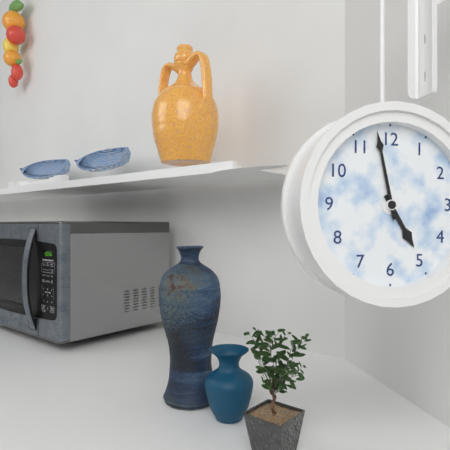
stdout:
{"hour": 4, "minute": 58}
